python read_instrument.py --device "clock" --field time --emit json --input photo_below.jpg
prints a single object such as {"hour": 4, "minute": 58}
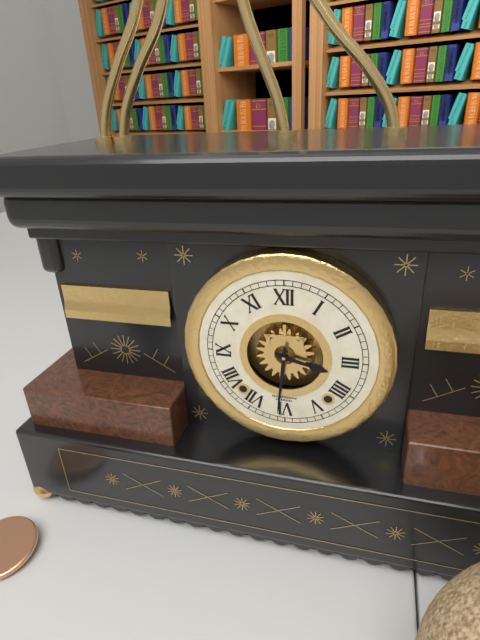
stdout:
{"hour": 3, "minute": 31}
